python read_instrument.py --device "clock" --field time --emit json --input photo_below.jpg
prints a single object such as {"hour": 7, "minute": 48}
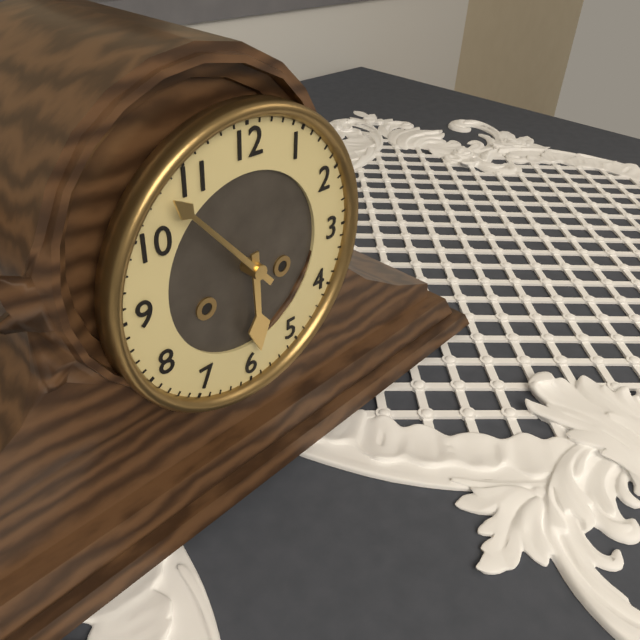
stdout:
{"hour": 5, "minute": 53}
